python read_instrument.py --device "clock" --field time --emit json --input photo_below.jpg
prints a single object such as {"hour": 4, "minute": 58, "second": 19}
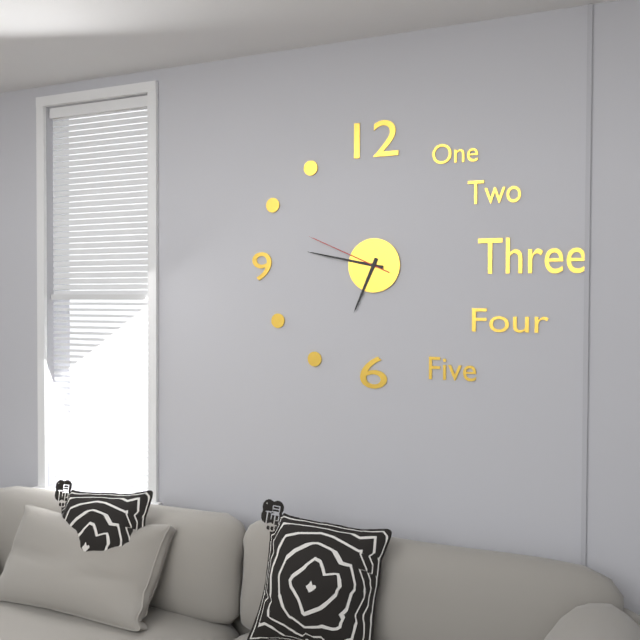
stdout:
{"hour": 6, "minute": 47, "second": 49}
